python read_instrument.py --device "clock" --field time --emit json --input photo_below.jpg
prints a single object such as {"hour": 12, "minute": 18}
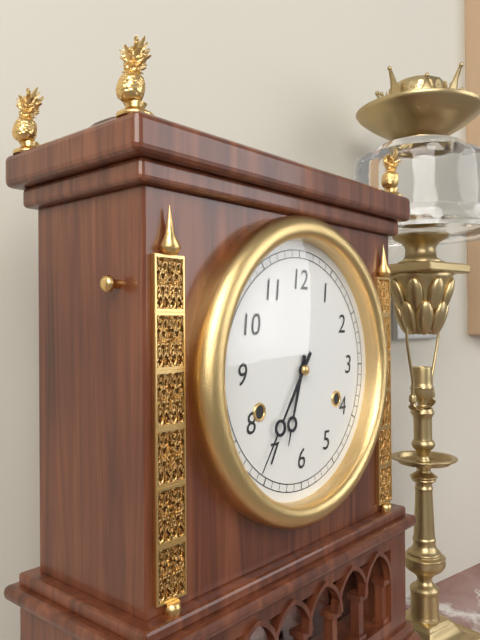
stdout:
{"hour": 6, "minute": 36}
